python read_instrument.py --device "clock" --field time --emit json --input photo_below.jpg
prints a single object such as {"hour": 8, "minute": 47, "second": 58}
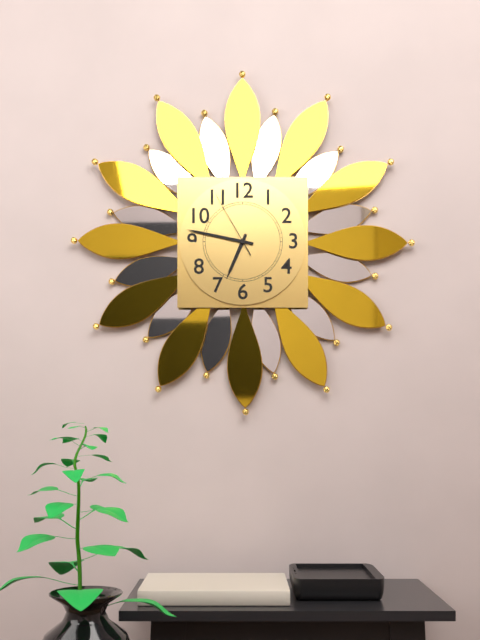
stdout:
{"hour": 6, "minute": 47, "second": 55}
